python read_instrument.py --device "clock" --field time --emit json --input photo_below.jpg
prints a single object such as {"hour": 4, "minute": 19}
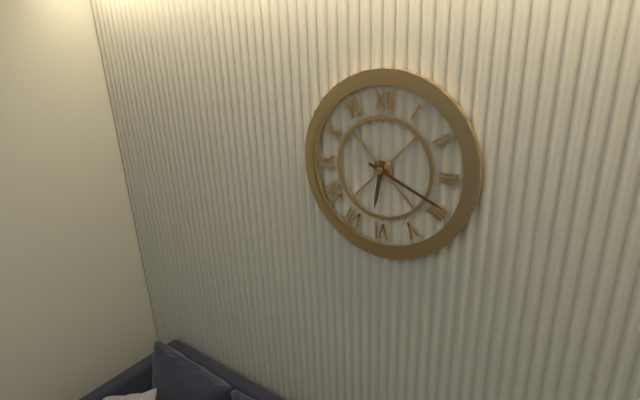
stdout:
{"hour": 6, "minute": 19}
